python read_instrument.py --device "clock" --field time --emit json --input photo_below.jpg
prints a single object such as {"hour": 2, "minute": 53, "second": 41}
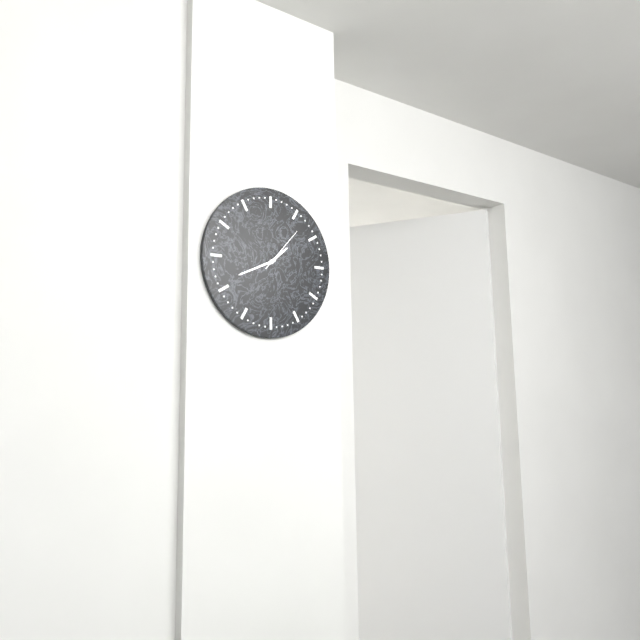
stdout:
{"hour": 1, "minute": 41, "second": 7}
